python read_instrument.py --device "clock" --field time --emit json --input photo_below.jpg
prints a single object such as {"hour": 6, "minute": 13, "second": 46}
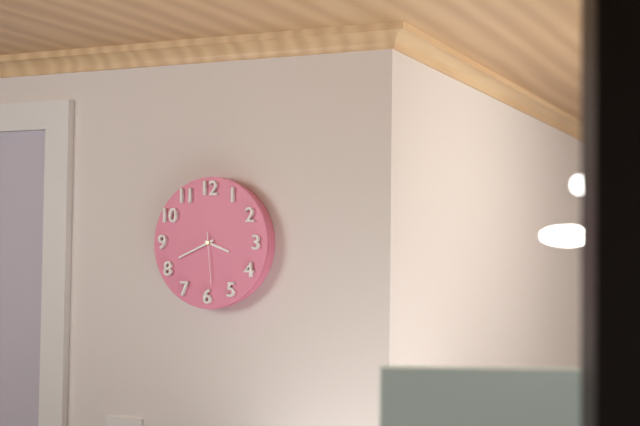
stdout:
{"hour": 3, "minute": 41, "second": 29}
